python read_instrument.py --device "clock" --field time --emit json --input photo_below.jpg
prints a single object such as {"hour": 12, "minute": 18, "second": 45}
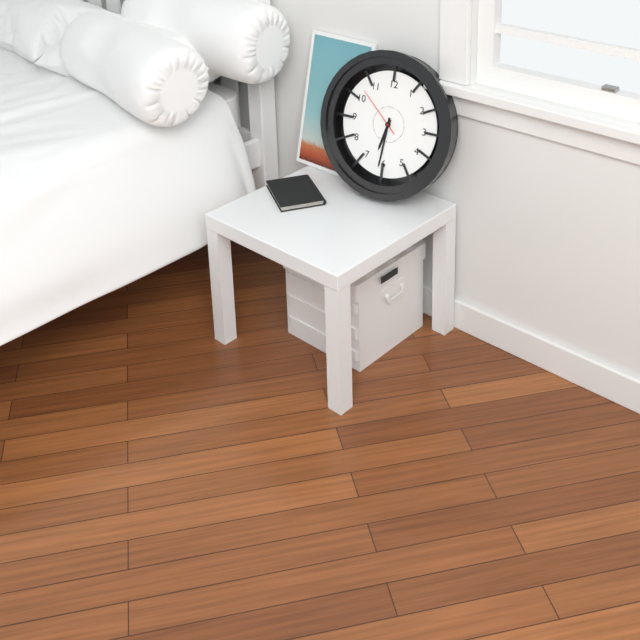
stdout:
{"hour": 6, "minute": 31, "second": 52}
